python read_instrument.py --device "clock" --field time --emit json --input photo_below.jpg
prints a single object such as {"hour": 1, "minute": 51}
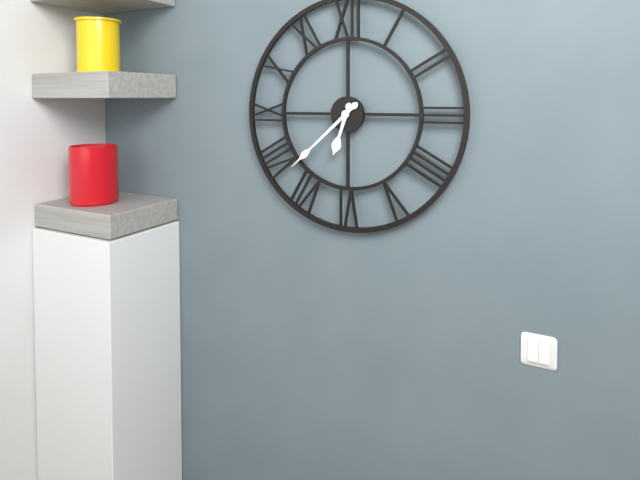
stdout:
{"hour": 6, "minute": 38}
